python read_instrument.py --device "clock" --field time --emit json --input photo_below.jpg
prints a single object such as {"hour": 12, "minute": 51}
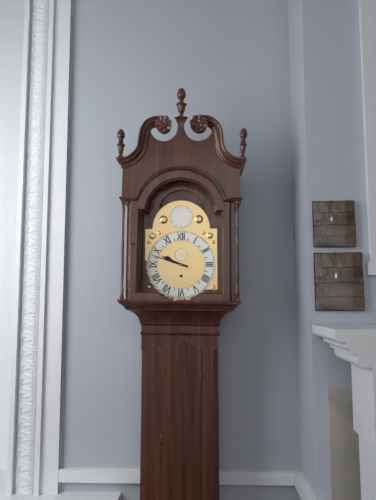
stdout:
{"hour": 9, "minute": 48}
